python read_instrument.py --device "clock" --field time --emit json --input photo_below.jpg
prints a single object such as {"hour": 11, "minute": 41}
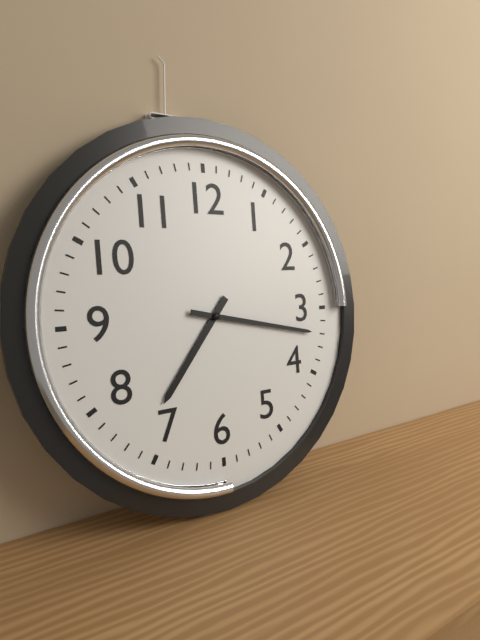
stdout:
{"hour": 7, "minute": 17}
